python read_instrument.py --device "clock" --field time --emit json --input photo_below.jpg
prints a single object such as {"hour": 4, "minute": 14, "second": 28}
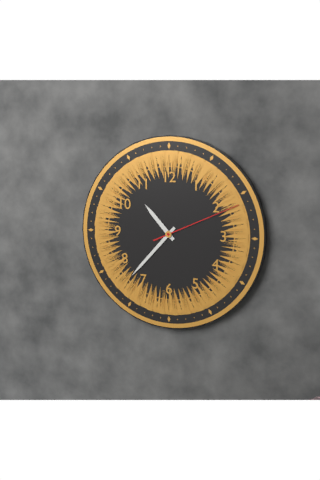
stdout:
{"hour": 10, "minute": 37, "second": 11}
